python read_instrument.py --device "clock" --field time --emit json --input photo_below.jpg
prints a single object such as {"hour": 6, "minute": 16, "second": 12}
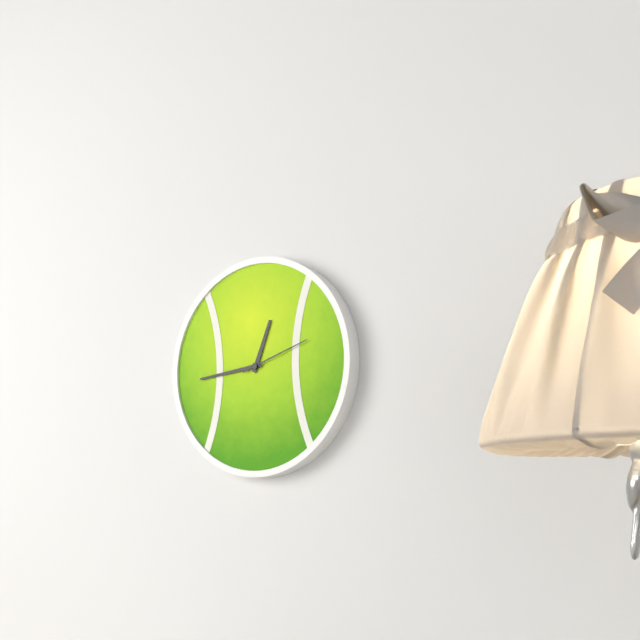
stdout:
{"hour": 12, "minute": 44, "second": 12}
